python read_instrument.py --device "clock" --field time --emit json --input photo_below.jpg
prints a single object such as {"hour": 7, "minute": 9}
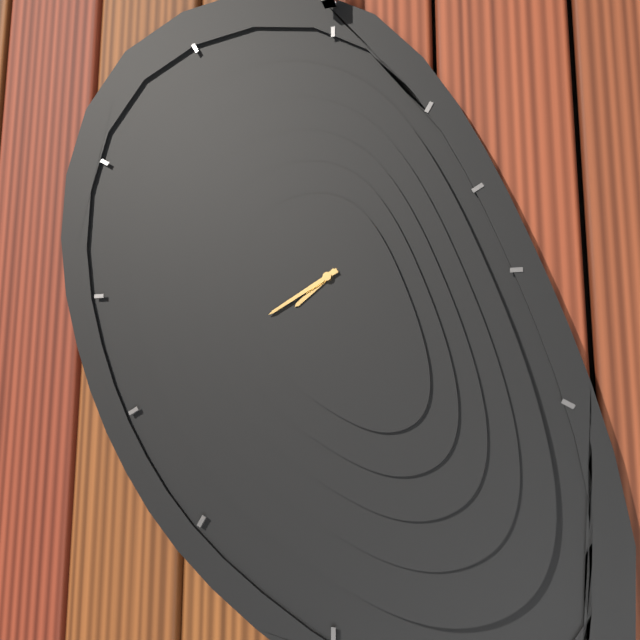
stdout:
{"hour": 7, "minute": 40}
